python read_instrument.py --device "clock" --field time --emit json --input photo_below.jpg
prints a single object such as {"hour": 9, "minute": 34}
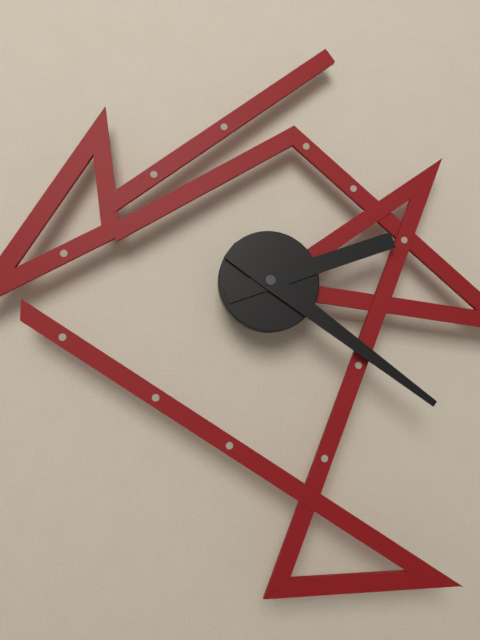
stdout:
{"hour": 2, "minute": 21}
